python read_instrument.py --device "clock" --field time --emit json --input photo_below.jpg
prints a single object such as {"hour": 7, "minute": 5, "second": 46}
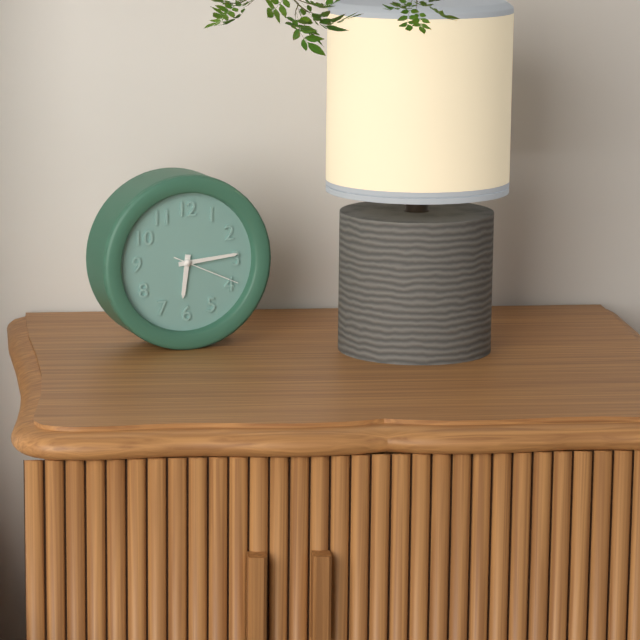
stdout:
{"hour": 6, "minute": 14, "second": 19}
